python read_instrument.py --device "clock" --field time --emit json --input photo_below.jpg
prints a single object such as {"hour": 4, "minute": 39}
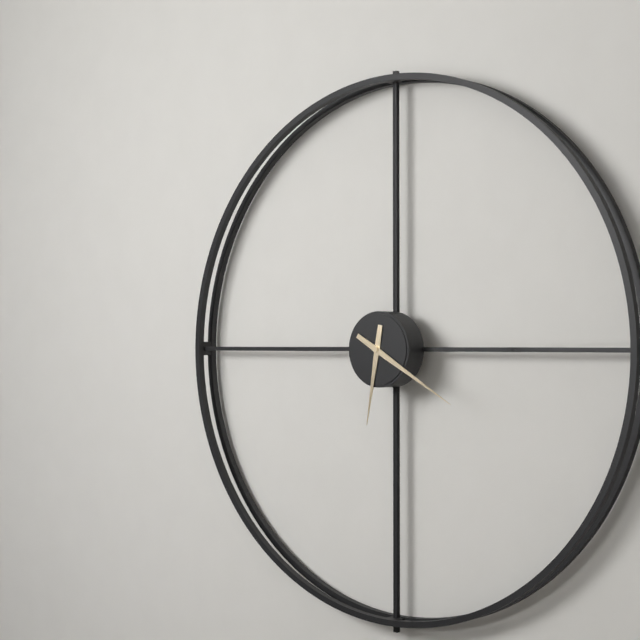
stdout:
{"hour": 6, "minute": 20}
